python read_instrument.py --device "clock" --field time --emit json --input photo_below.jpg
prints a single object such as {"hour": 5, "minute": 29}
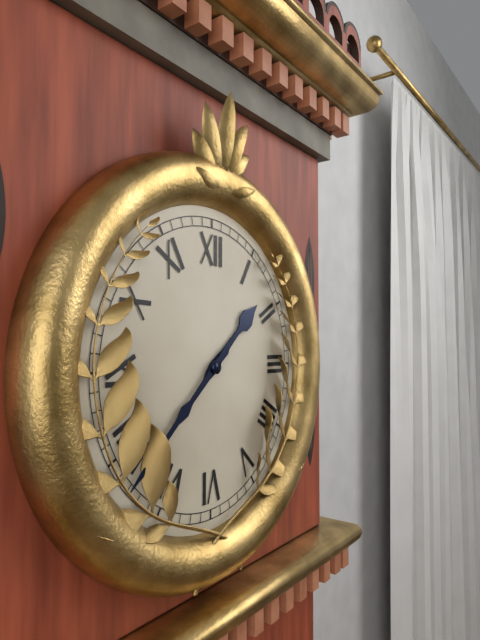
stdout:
{"hour": 1, "minute": 38}
